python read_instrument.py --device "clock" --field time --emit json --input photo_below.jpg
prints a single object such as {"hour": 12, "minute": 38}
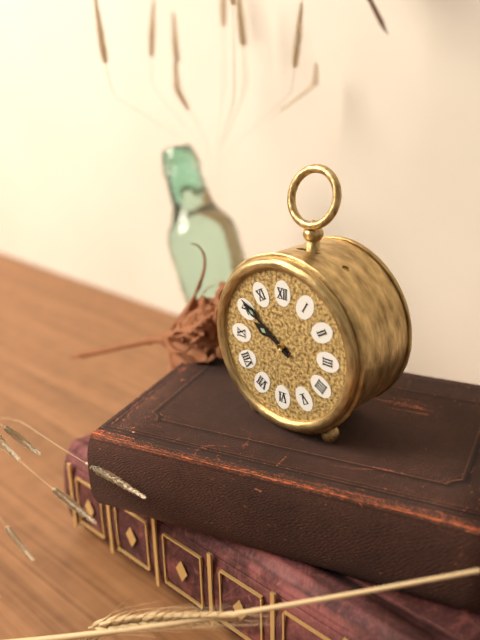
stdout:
{"hour": 9, "minute": 51}
